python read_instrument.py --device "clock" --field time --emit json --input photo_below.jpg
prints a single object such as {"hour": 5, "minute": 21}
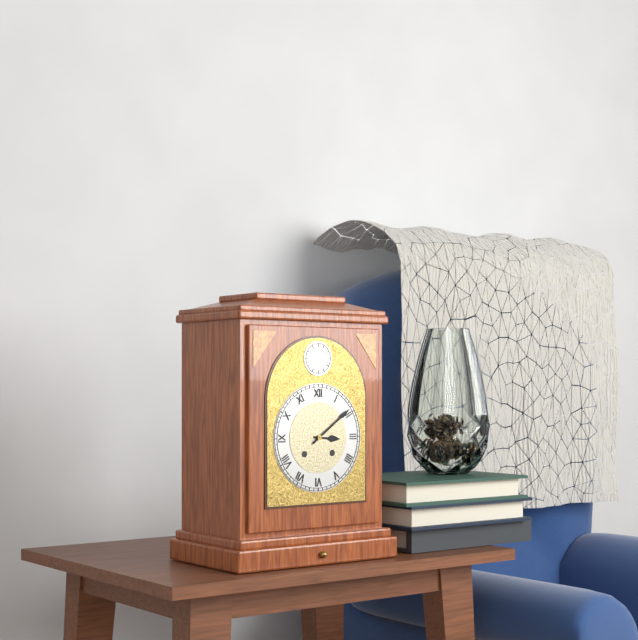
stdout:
{"hour": 3, "minute": 9}
